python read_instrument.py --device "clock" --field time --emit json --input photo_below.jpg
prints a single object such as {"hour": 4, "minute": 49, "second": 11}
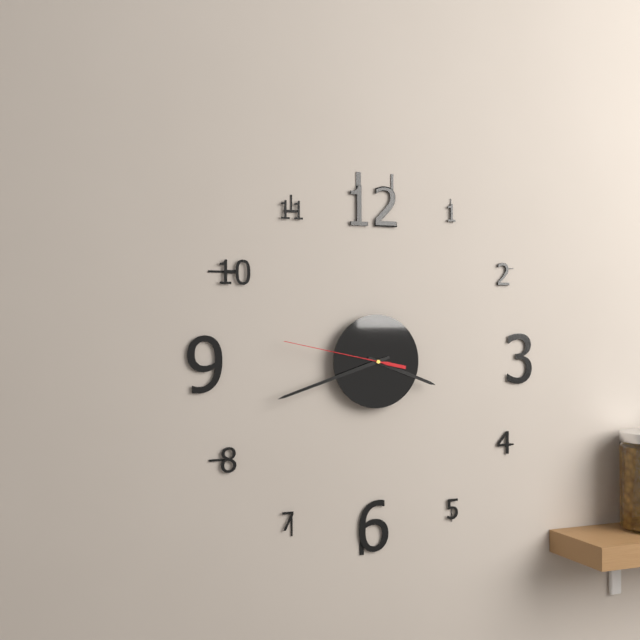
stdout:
{"hour": 3, "minute": 42, "second": 47}
